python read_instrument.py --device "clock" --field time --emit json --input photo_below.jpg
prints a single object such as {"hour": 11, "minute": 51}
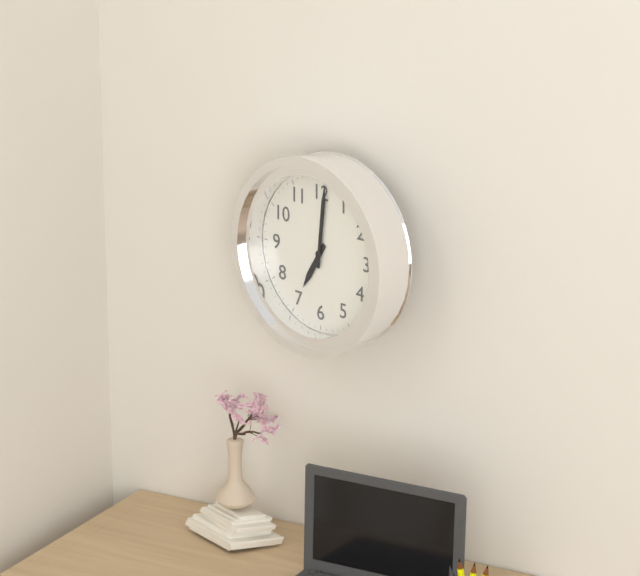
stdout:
{"hour": 7, "minute": 1}
